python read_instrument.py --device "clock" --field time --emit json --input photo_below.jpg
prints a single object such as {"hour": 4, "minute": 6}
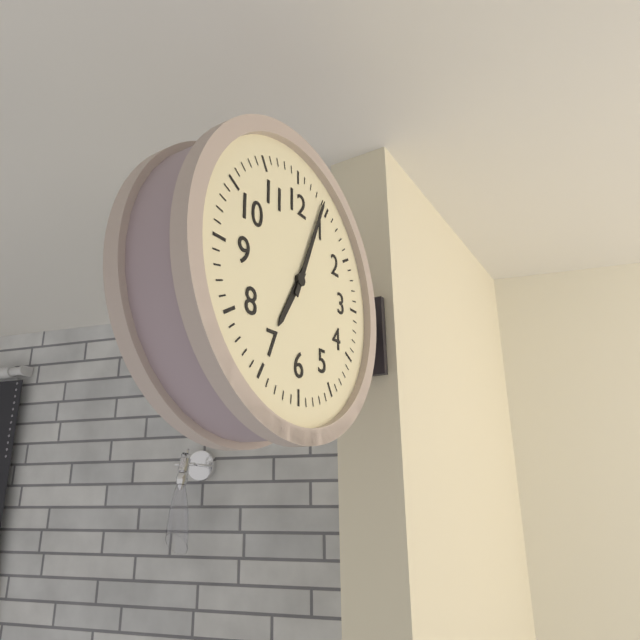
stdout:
{"hour": 7, "minute": 4}
